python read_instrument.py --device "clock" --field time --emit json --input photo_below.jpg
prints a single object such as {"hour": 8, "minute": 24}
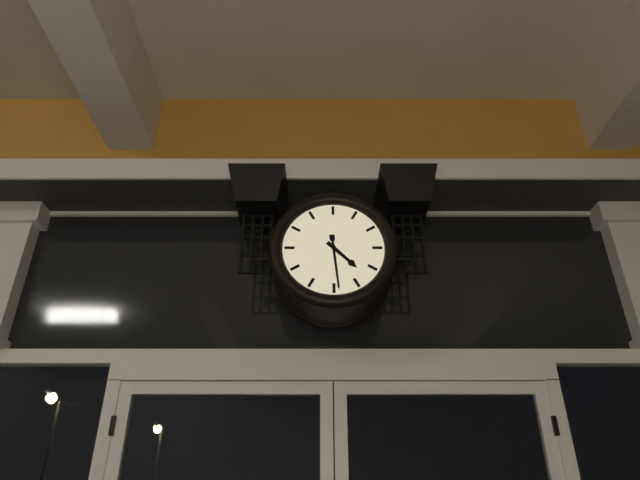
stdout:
{"hour": 4, "minute": 29}
